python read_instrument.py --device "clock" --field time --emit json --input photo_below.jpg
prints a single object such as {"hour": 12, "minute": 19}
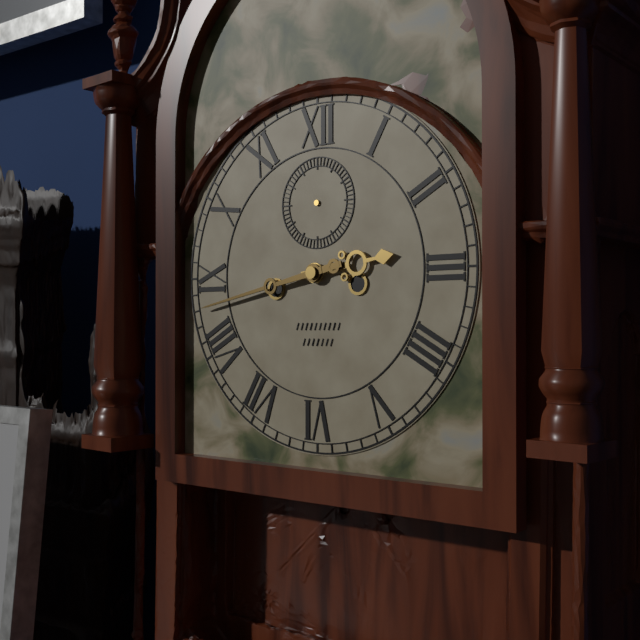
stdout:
{"hour": 2, "minute": 43}
